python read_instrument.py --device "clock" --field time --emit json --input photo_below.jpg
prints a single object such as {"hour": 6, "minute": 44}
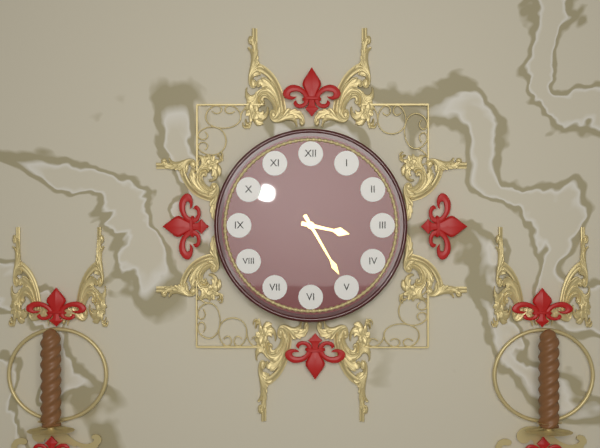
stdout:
{"hour": 3, "minute": 25}
